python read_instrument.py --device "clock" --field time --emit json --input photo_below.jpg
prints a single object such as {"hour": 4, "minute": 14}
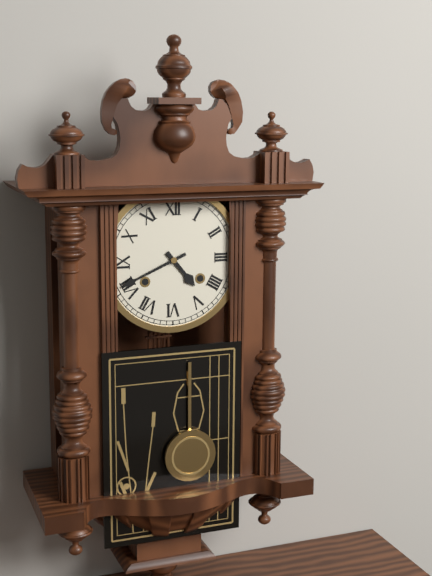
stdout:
{"hour": 4, "minute": 41}
